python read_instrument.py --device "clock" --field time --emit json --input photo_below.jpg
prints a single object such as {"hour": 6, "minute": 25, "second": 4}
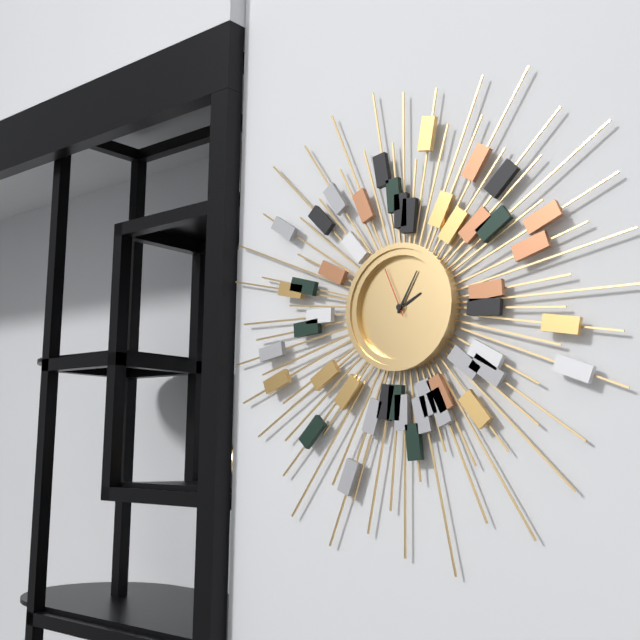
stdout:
{"hour": 2, "minute": 5, "second": 56}
